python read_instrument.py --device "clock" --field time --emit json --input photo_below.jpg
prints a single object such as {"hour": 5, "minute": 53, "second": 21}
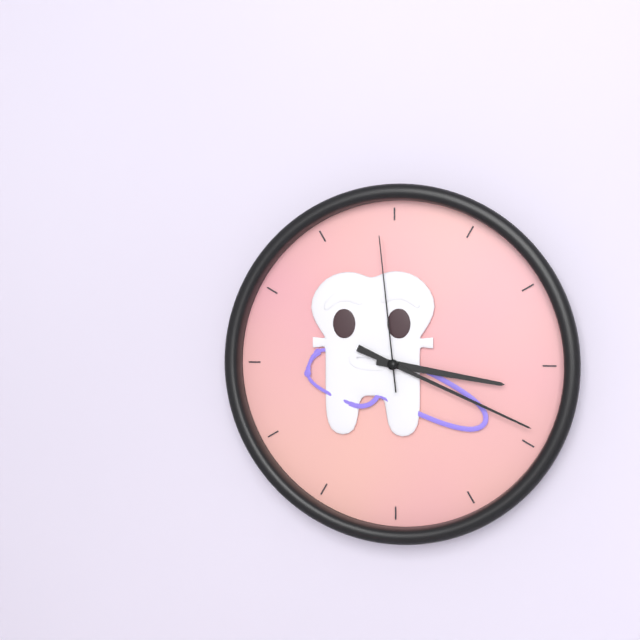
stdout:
{"hour": 3, "minute": 19, "second": 59}
